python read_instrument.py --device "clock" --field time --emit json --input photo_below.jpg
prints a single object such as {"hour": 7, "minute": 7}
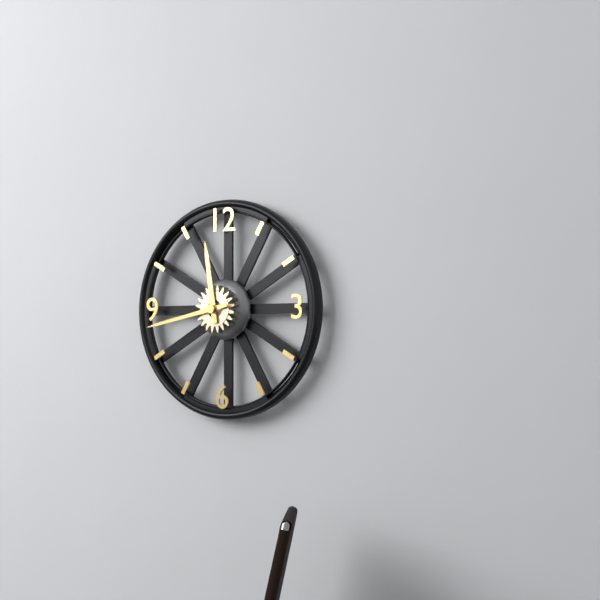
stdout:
{"hour": 11, "minute": 43}
